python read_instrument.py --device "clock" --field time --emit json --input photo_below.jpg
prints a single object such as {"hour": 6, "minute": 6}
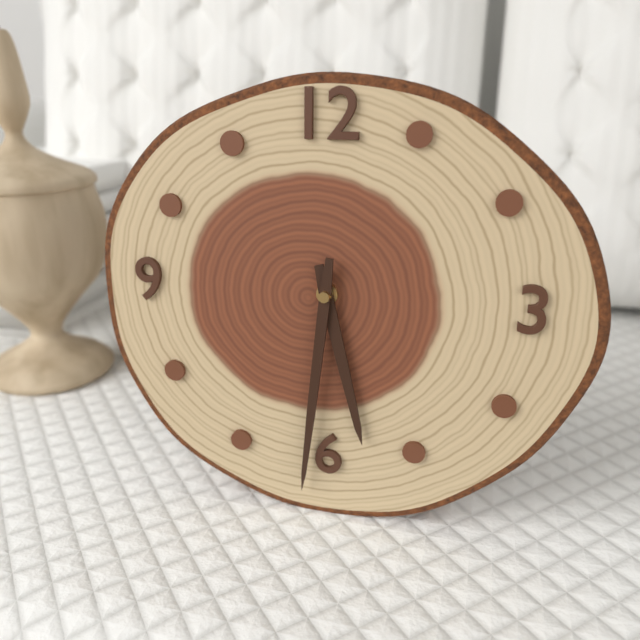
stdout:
{"hour": 5, "minute": 31}
